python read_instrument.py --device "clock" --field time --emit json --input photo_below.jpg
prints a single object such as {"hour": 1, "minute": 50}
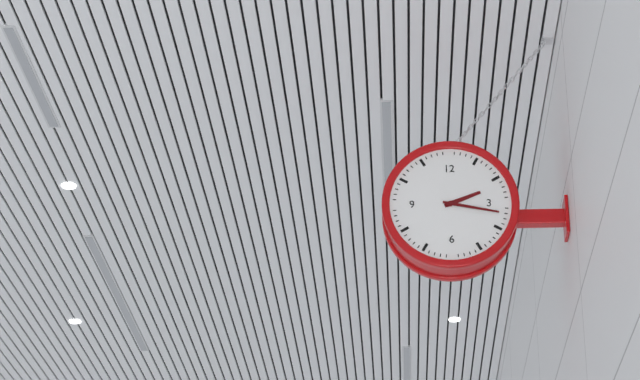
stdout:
{"hour": 2, "minute": 17}
